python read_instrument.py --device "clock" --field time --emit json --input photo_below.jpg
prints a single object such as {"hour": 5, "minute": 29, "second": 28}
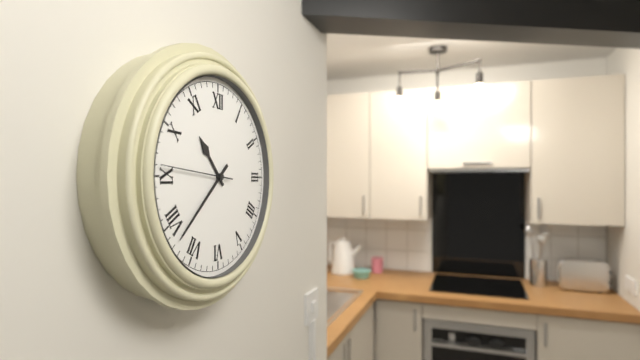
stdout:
{"hour": 10, "minute": 38, "second": 46}
